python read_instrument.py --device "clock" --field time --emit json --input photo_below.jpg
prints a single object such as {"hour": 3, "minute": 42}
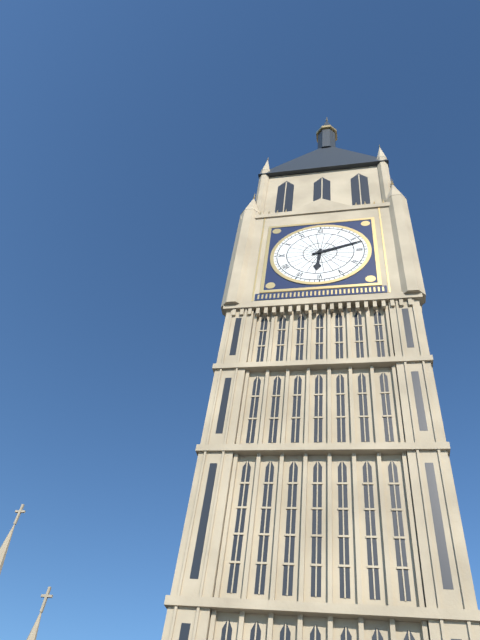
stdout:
{"hour": 6, "minute": 12}
